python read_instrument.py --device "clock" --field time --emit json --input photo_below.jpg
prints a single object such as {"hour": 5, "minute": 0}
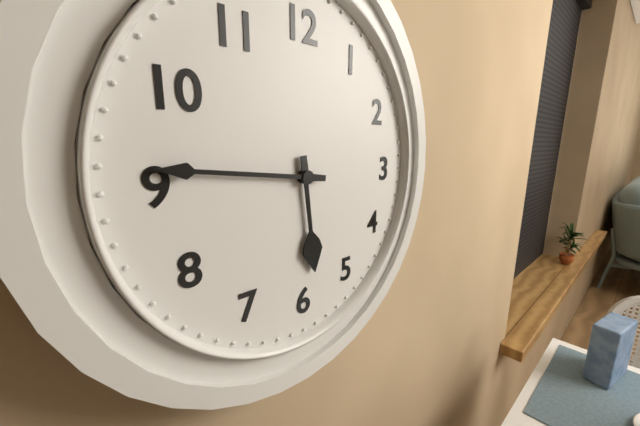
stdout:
{"hour": 5, "minute": 46}
